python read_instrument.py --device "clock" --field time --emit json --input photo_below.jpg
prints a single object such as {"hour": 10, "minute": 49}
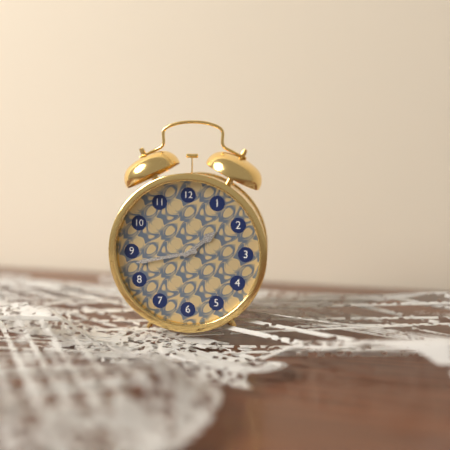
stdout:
{"hour": 1, "minute": 43}
